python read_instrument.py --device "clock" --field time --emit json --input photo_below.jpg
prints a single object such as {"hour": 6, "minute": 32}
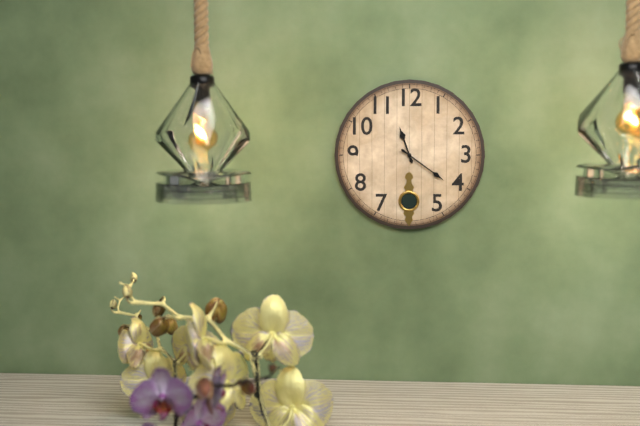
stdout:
{"hour": 11, "minute": 21}
